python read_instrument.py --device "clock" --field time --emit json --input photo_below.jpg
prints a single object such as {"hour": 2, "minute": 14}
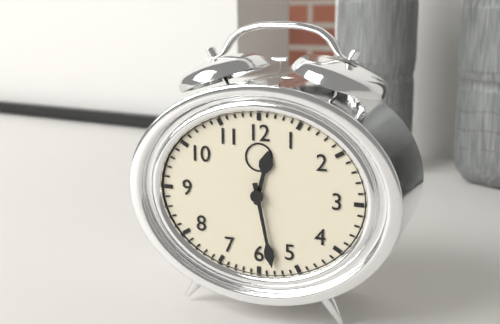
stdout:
{"hour": 12, "minute": 28}
